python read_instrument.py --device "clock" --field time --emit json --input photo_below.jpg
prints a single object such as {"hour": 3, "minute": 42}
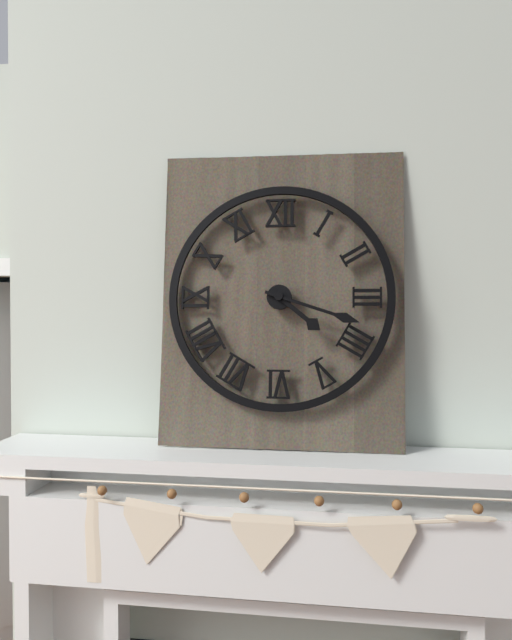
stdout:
{"hour": 4, "minute": 18}
